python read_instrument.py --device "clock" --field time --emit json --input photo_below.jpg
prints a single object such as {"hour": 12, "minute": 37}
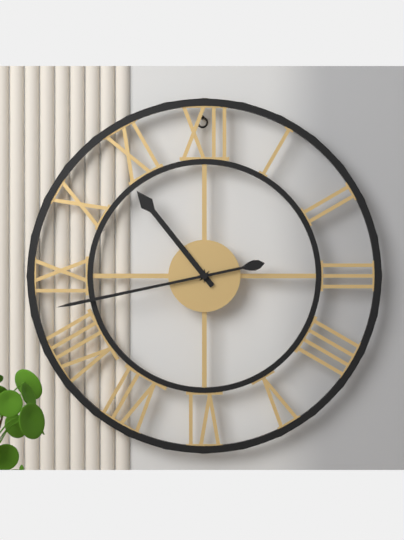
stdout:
{"hour": 10, "minute": 43}
